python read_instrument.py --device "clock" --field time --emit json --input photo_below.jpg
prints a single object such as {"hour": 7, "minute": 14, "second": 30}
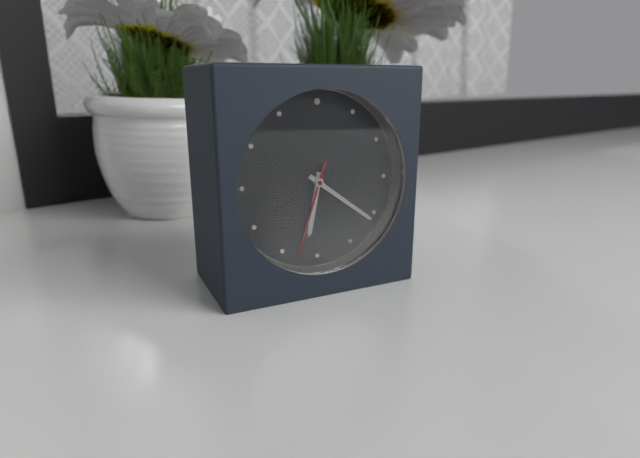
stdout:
{"hour": 6, "minute": 21, "second": 33}
